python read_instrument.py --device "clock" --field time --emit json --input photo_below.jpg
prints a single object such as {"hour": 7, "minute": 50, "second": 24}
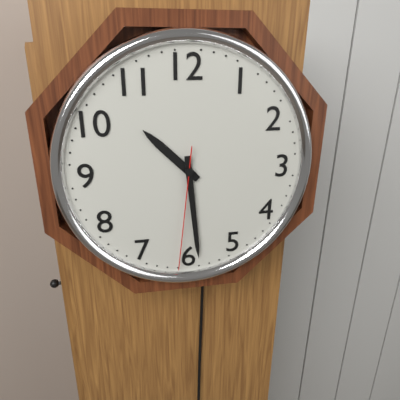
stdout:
{"hour": 10, "minute": 29, "second": 31}
